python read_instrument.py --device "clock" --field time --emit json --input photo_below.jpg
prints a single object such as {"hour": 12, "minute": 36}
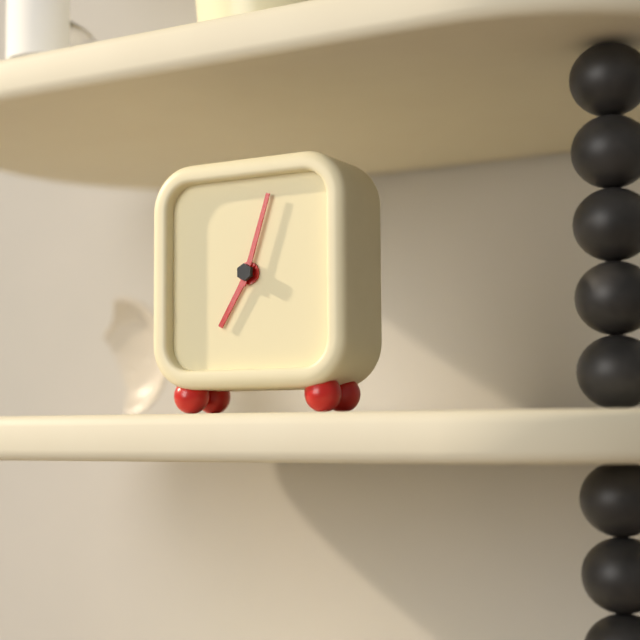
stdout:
{"hour": 7, "minute": 3}
